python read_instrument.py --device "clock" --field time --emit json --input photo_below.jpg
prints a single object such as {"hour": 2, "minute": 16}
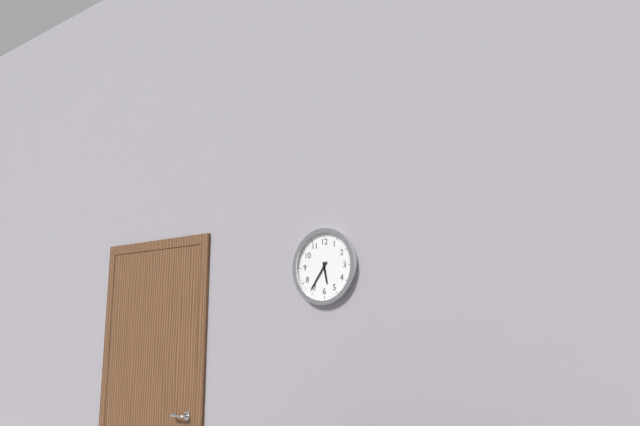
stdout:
{"hour": 5, "minute": 36}
